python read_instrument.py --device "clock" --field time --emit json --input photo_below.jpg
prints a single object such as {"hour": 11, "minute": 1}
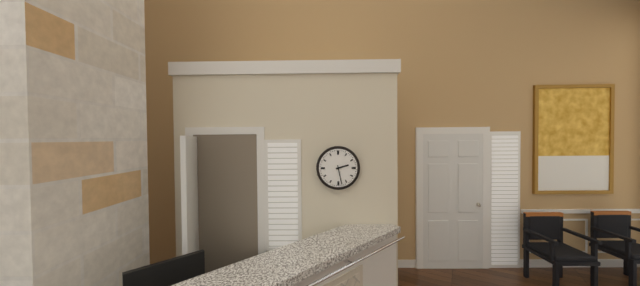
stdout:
{"hour": 2, "minute": 28}
